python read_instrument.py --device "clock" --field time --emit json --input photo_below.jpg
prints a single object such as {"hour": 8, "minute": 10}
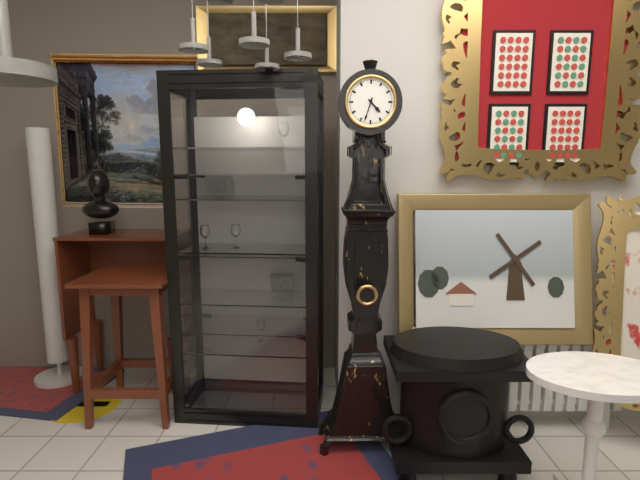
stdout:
{"hour": 4, "minute": 33}
